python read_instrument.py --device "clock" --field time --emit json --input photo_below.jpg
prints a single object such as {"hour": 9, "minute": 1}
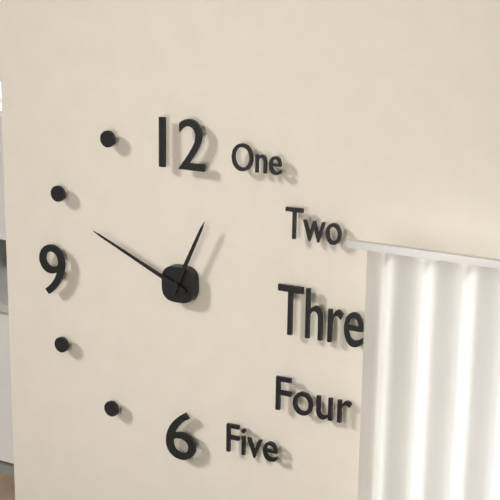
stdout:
{"hour": 12, "minute": 49}
